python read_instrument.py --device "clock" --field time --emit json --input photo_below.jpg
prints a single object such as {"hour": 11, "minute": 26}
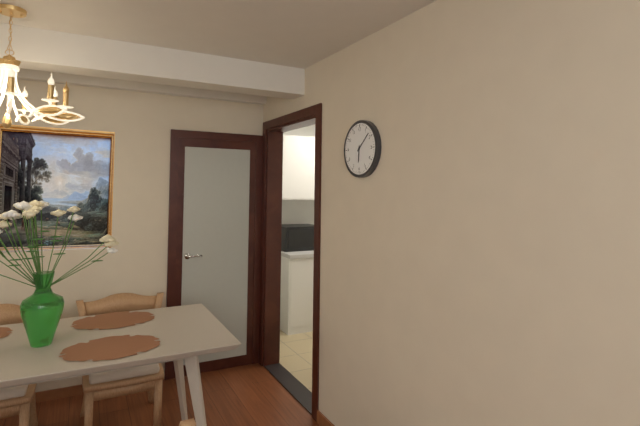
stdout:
{"hour": 6, "minute": 8}
